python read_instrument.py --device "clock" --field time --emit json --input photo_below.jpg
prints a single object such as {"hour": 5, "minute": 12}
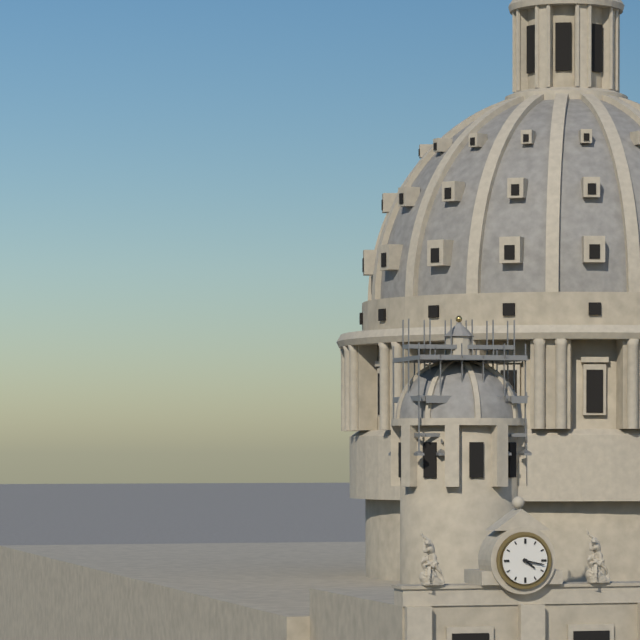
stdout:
{"hour": 4, "minute": 17}
